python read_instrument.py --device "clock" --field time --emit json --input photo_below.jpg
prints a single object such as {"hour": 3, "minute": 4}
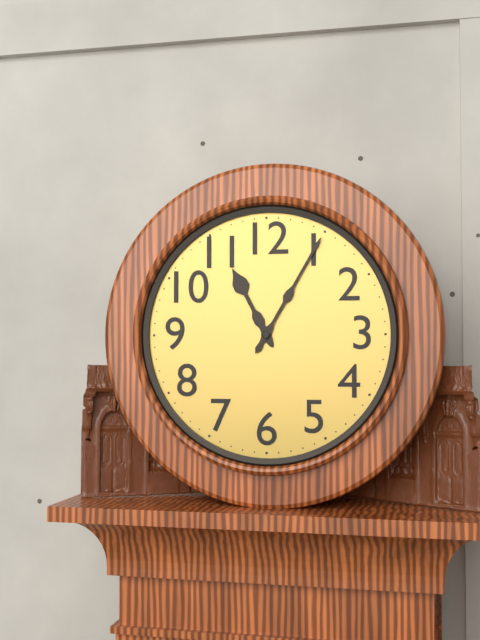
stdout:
{"hour": 11, "minute": 5}
